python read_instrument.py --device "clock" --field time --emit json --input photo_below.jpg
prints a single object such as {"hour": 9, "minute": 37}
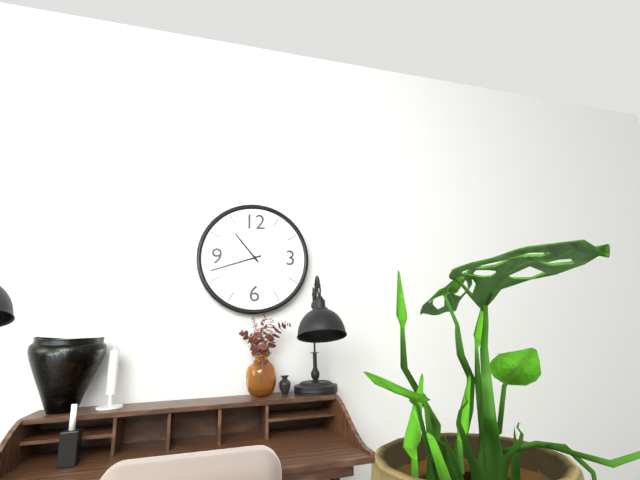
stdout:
{"hour": 10, "minute": 42}
